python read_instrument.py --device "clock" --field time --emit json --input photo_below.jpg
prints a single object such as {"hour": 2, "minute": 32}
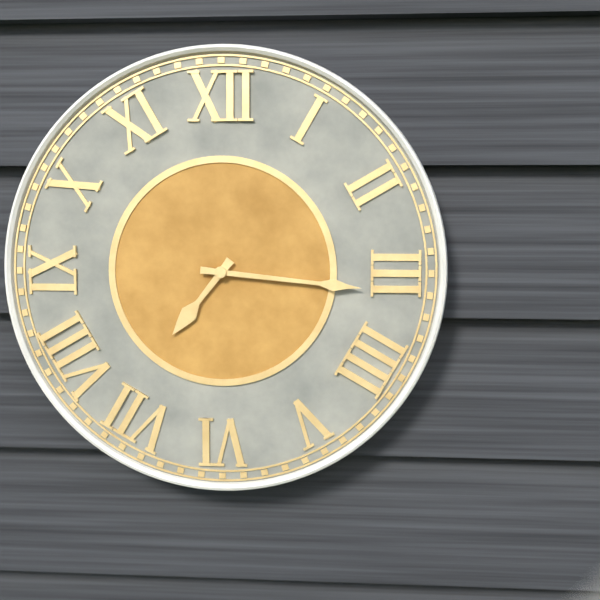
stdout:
{"hour": 7, "minute": 16}
